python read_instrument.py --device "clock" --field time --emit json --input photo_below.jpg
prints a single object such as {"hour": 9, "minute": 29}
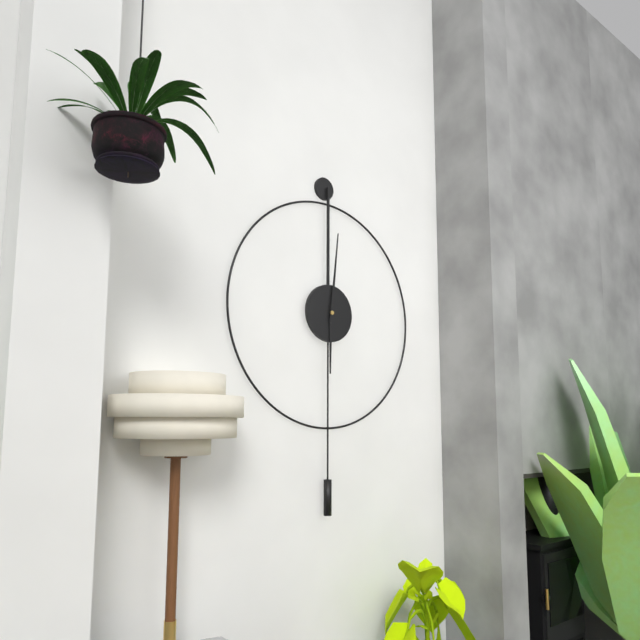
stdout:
{"hour": 6, "minute": 1}
